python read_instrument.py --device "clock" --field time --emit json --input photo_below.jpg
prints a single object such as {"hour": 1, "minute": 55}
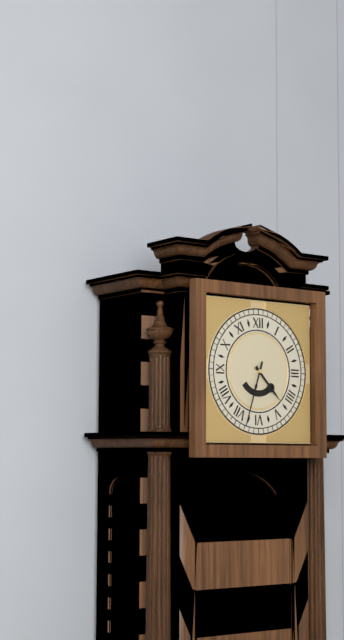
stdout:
{"hour": 4, "minute": 33}
